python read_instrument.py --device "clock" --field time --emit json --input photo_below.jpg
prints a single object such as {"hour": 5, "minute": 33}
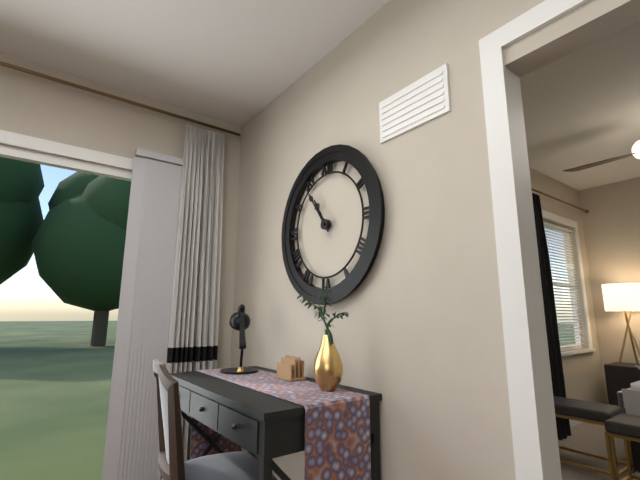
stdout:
{"hour": 10, "minute": 54}
